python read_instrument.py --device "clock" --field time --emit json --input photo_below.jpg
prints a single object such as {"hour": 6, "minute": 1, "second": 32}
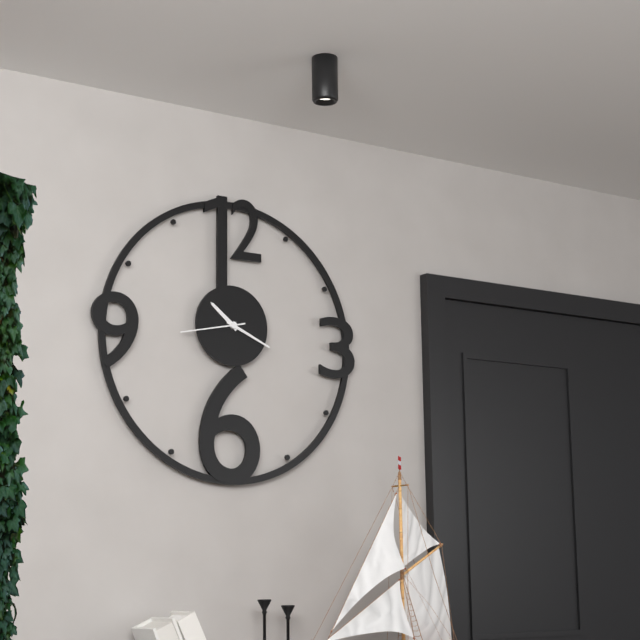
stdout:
{"hour": 10, "minute": 19, "second": 43}
